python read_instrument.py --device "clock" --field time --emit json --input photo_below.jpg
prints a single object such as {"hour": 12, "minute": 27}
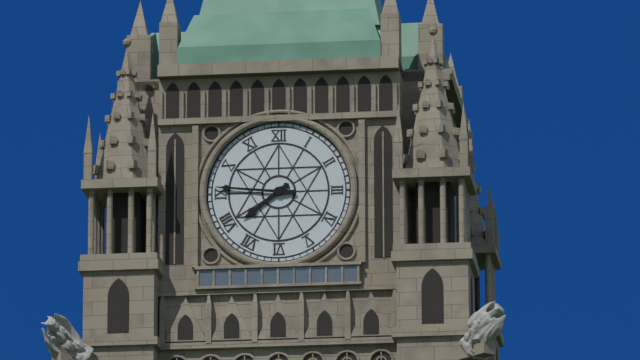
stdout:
{"hour": 7, "minute": 46}
